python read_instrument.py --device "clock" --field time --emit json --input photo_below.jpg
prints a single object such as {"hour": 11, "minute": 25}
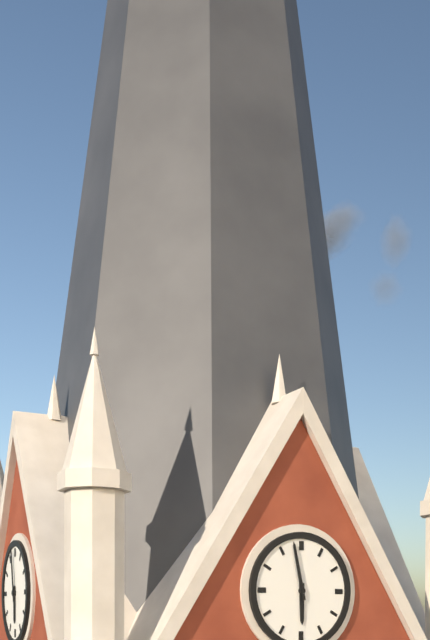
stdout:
{"hour": 5, "minute": 58}
